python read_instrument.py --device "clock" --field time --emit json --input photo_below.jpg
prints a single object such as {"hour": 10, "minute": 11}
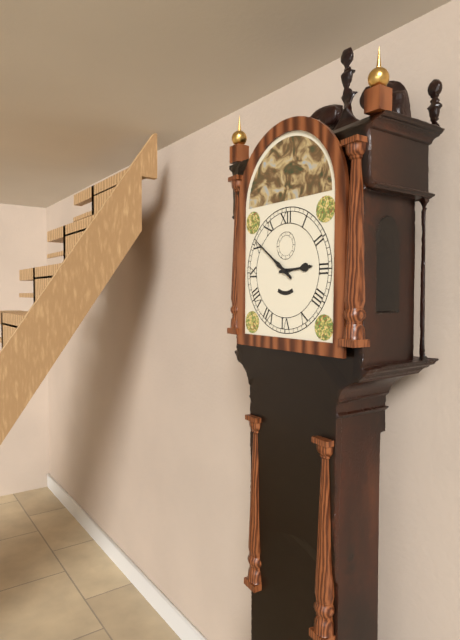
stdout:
{"hour": 2, "minute": 51}
